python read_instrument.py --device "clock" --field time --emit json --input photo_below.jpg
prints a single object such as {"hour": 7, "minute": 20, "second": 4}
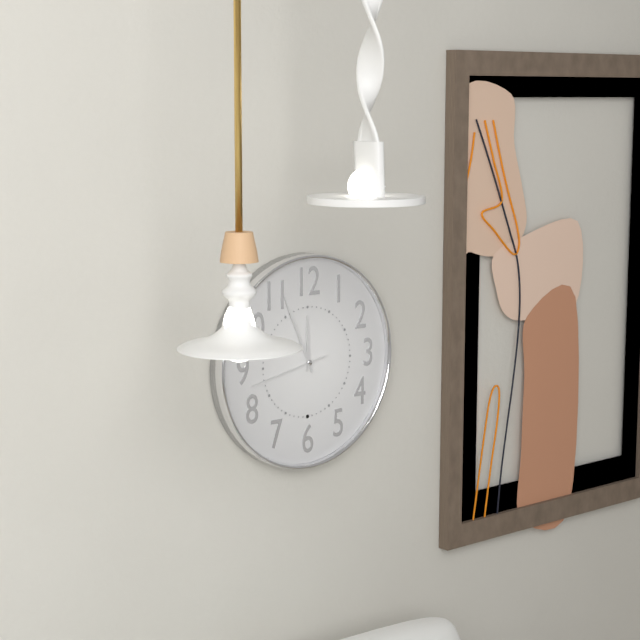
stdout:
{"hour": 11, "minute": 56, "second": 43}
